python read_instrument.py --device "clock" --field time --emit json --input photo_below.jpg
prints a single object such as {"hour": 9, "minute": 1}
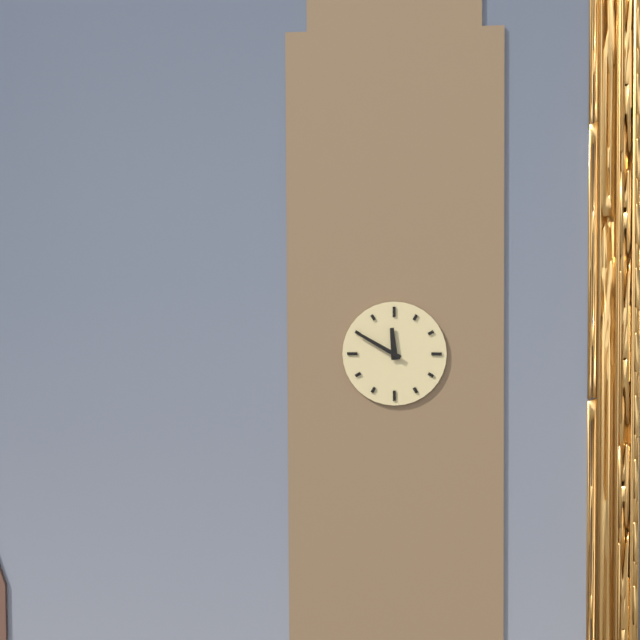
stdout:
{"hour": 11, "minute": 50}
